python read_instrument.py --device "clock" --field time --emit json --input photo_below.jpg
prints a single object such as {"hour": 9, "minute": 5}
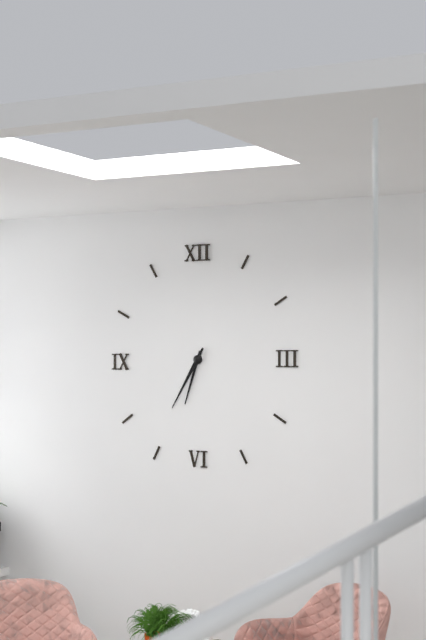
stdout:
{"hour": 6, "minute": 35}
